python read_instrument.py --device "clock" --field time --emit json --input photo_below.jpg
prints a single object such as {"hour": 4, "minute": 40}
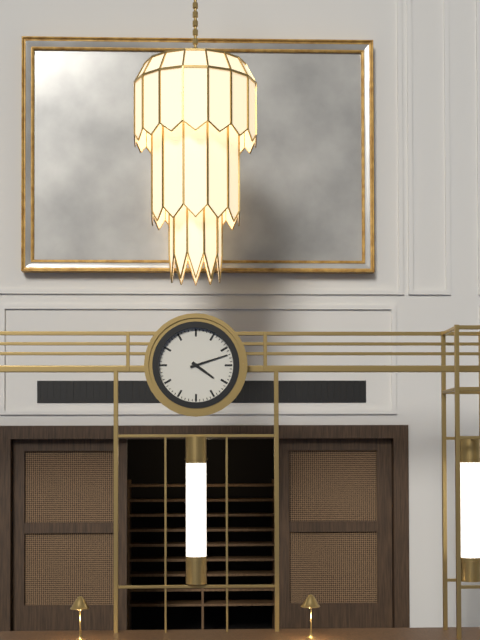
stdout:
{"hour": 4, "minute": 12}
